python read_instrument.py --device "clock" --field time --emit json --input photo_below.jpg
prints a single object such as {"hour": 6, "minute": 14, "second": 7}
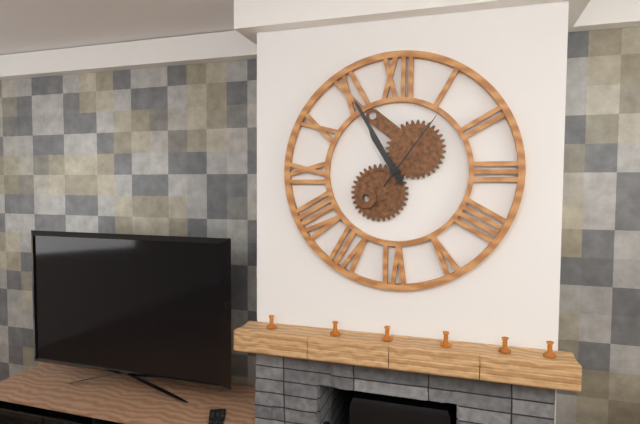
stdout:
{"hour": 10, "minute": 55, "second": 6}
